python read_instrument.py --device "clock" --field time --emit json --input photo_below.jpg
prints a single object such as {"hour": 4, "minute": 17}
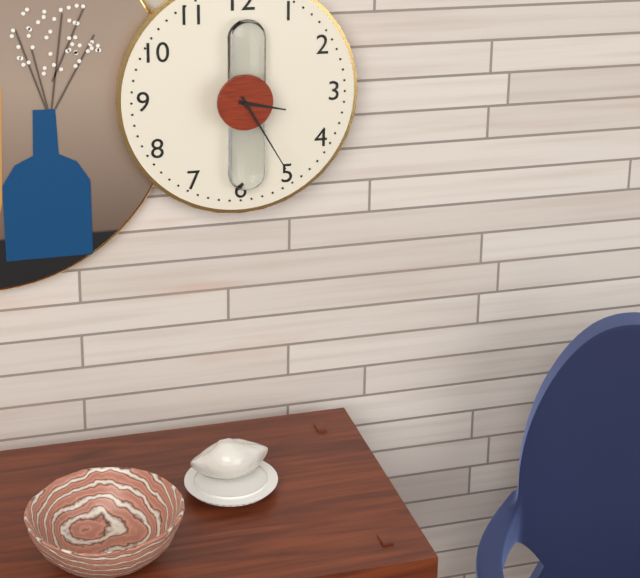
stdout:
{"hour": 3, "minute": 25}
